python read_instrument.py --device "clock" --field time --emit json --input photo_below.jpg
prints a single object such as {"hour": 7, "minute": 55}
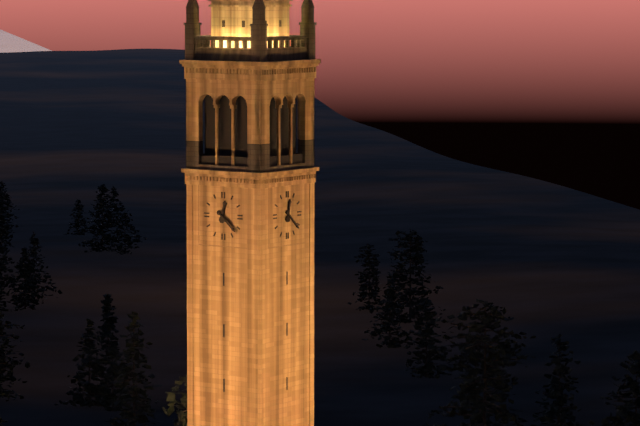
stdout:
{"hour": 12, "minute": 22}
